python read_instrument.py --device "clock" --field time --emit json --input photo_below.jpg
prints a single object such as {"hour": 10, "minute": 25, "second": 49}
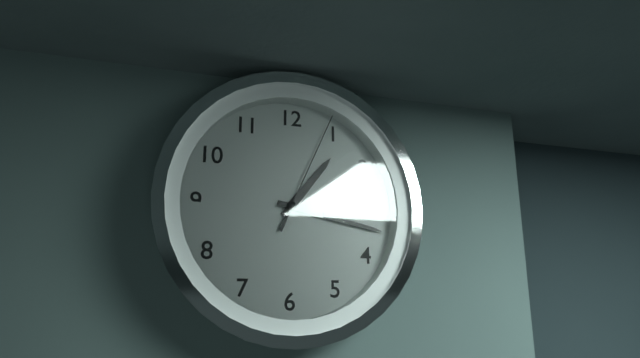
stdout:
{"hour": 1, "minute": 17, "second": 4}
